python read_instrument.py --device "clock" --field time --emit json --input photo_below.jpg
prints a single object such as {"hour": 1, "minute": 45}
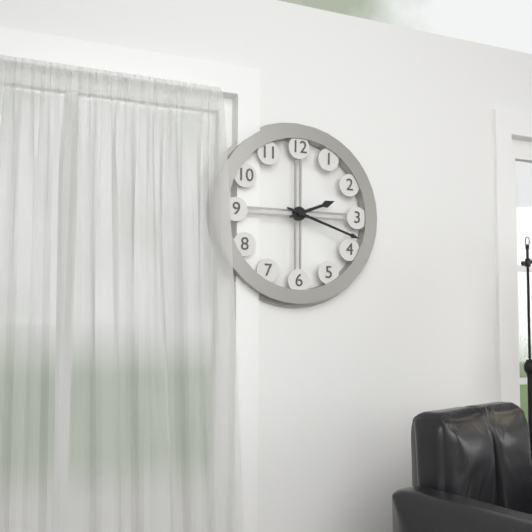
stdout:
{"hour": 2, "minute": 18}
